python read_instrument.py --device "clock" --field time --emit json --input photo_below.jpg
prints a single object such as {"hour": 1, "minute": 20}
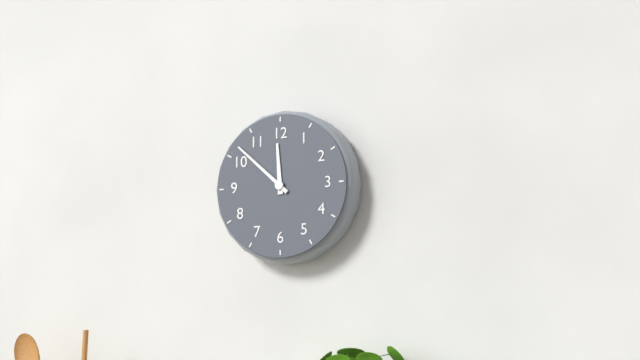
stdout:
{"hour": 11, "minute": 52}
